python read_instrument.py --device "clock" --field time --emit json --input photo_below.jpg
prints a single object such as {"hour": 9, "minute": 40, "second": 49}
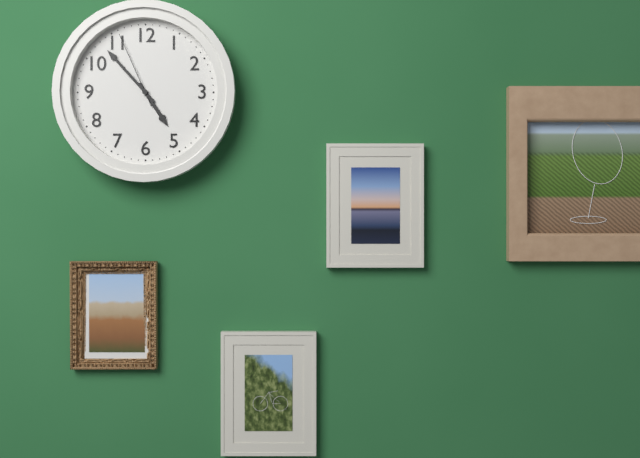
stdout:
{"hour": 4, "minute": 53, "second": 56}
